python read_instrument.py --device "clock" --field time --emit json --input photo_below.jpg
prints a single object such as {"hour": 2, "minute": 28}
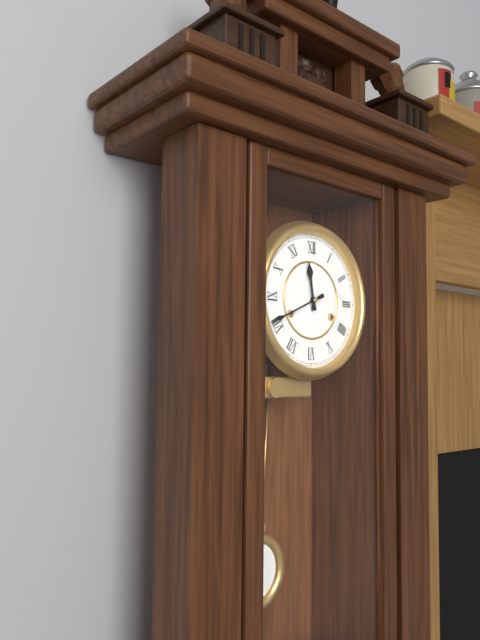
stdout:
{"hour": 11, "minute": 41}
